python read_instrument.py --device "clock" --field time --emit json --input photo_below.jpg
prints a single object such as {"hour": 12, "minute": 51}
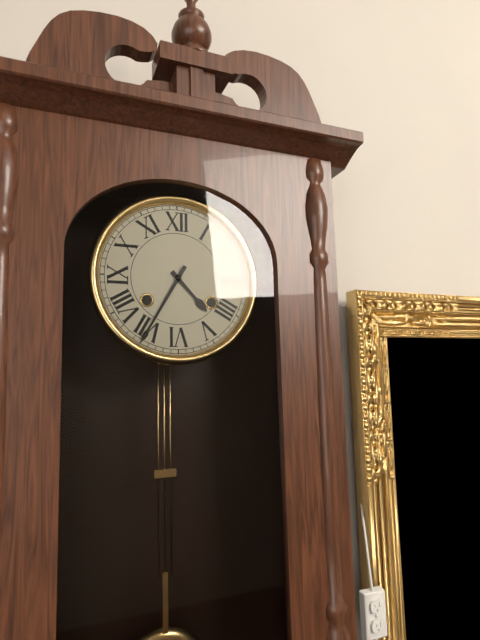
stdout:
{"hour": 4, "minute": 35}
